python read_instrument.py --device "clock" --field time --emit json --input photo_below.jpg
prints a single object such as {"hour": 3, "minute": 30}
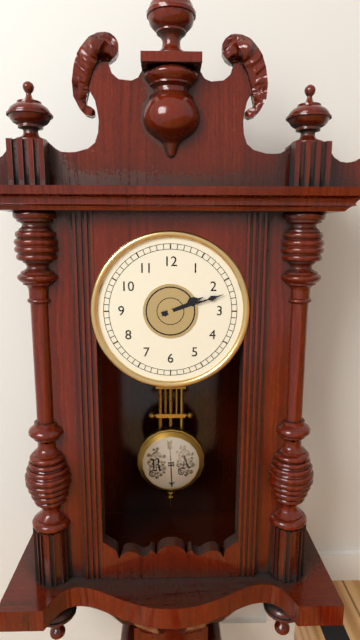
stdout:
{"hour": 2, "minute": 12}
